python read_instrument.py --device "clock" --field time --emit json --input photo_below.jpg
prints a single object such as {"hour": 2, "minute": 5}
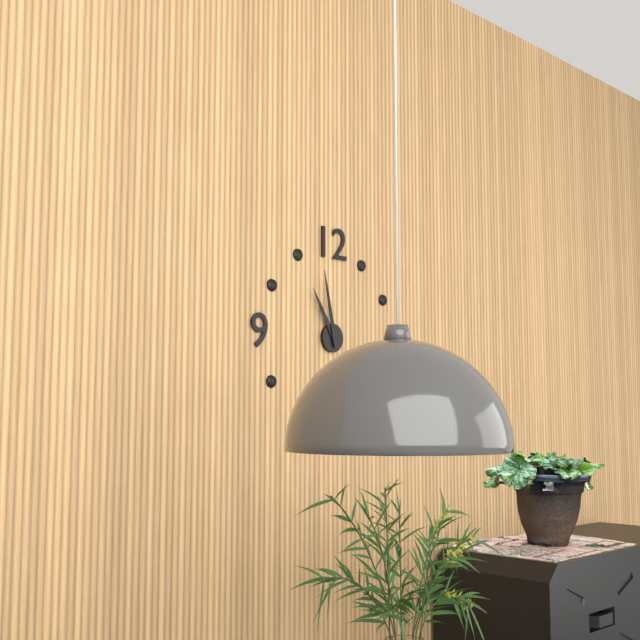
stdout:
{"hour": 10, "minute": 58}
